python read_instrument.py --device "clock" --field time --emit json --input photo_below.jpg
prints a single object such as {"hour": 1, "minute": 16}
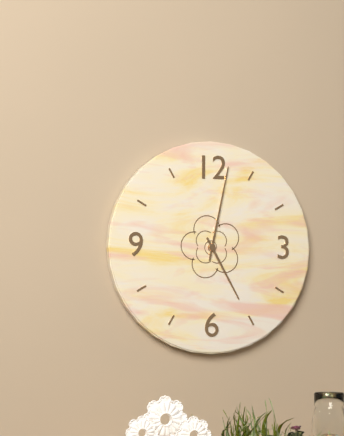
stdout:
{"hour": 5, "minute": 2}
